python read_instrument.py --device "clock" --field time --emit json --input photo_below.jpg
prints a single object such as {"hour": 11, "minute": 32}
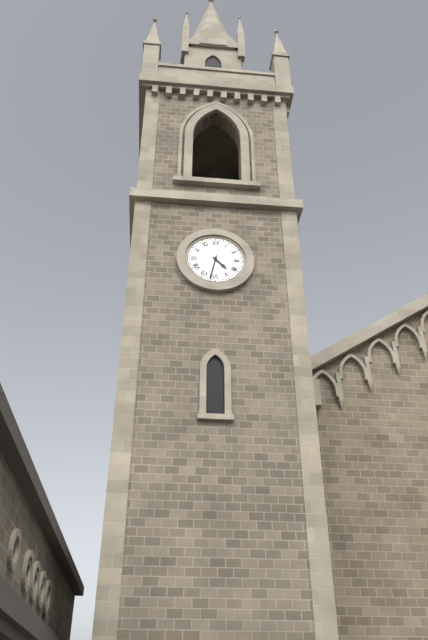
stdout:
{"hour": 4, "minute": 32}
